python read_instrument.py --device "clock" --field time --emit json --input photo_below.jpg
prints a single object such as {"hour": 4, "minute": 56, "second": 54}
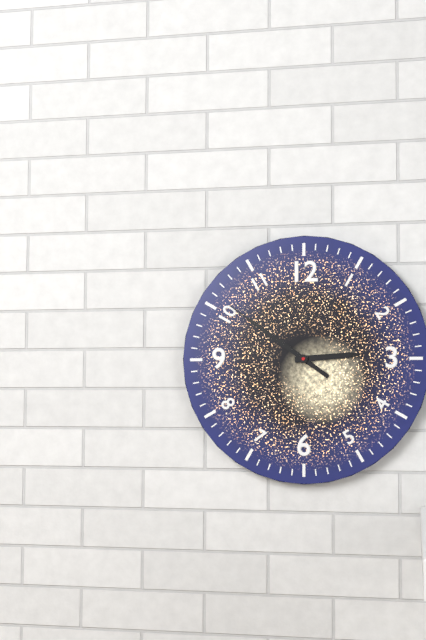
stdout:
{"hour": 2, "minute": 51, "second": 51}
